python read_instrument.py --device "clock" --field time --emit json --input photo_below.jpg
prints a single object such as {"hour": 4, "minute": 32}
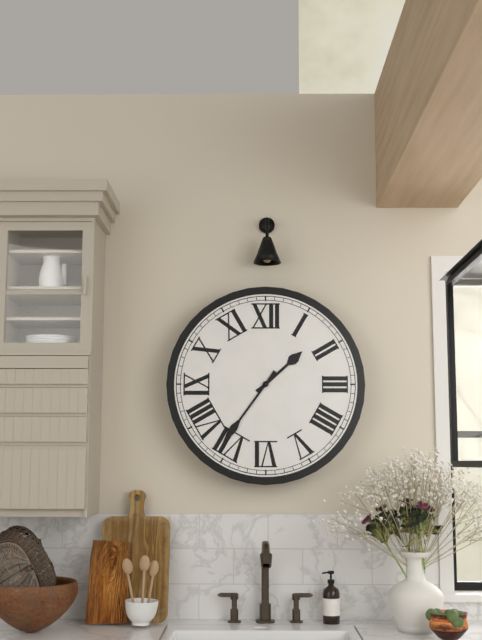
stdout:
{"hour": 1, "minute": 36}
